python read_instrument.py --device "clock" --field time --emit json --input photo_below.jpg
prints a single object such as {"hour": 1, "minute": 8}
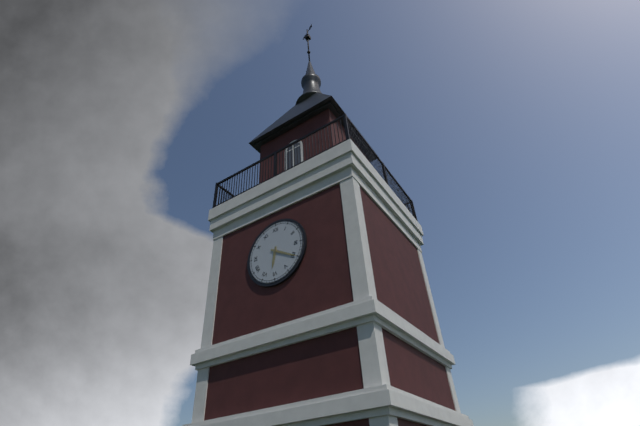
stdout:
{"hour": 6, "minute": 20}
